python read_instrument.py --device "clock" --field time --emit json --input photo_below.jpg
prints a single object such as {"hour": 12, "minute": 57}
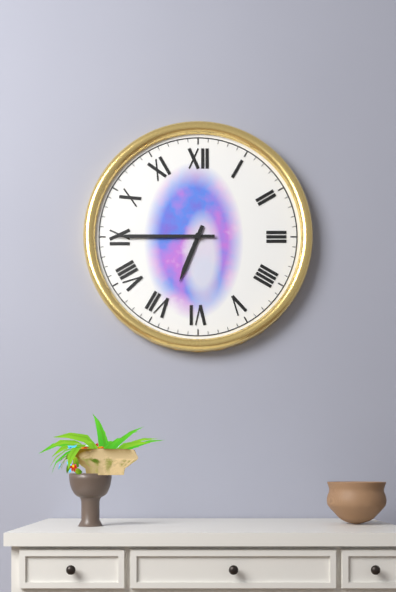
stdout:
{"hour": 6, "minute": 45}
